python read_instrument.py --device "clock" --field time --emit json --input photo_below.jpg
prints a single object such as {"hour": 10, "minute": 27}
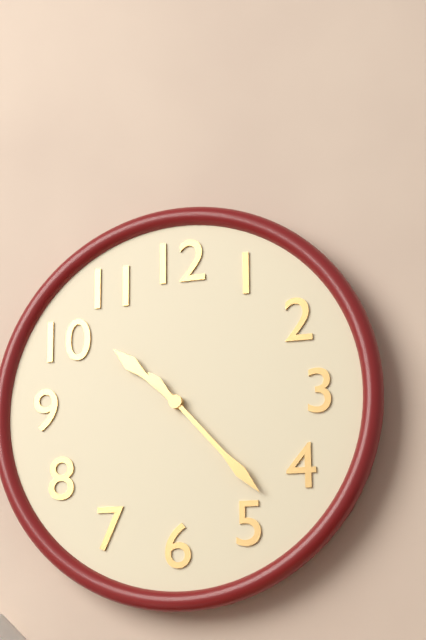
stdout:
{"hour": 10, "minute": 23}
